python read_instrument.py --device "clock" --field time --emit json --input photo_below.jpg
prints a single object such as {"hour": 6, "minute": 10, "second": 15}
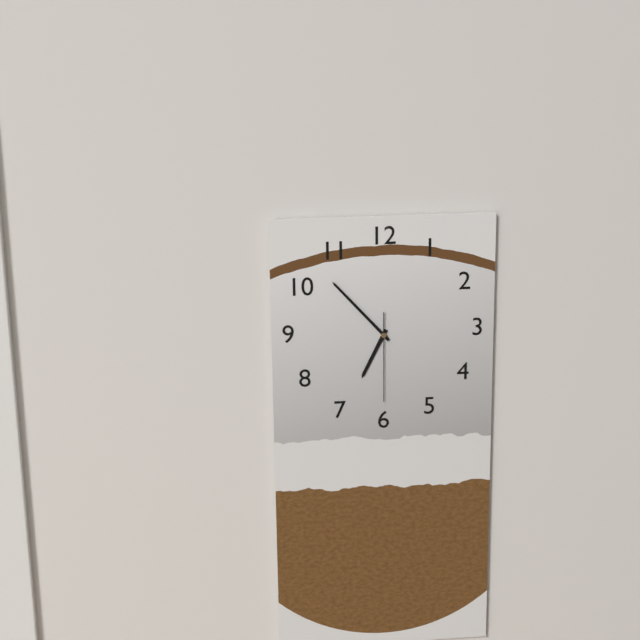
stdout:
{"hour": 6, "minute": 53, "second": 30}
